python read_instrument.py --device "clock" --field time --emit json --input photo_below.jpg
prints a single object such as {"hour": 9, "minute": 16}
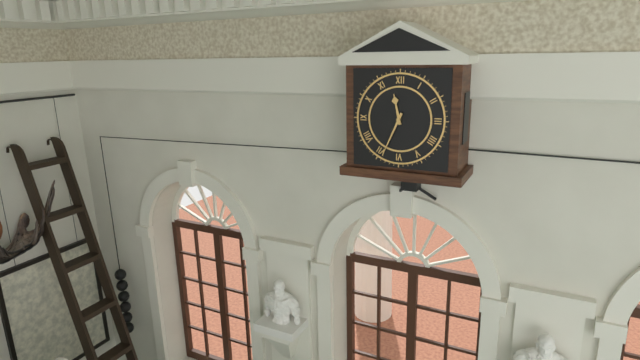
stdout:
{"hour": 11, "minute": 34}
